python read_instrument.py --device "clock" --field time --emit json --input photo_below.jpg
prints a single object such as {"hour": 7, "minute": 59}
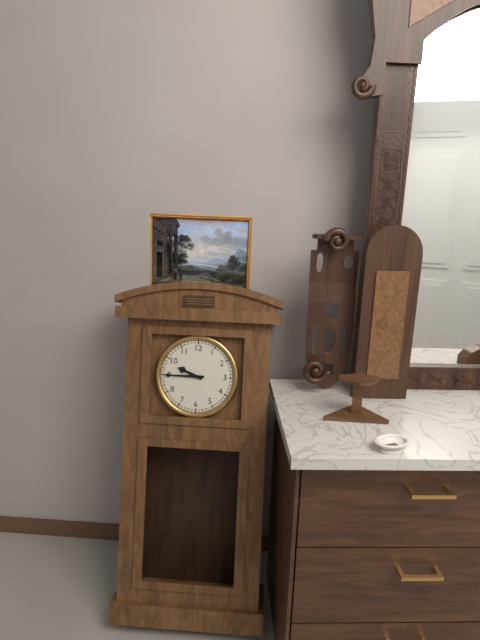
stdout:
{"hour": 9, "minute": 45}
